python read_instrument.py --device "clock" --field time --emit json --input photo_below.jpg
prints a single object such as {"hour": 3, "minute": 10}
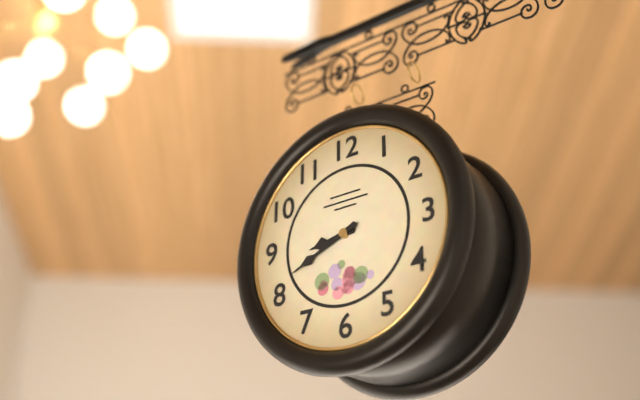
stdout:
{"hour": 8, "minute": 41}
